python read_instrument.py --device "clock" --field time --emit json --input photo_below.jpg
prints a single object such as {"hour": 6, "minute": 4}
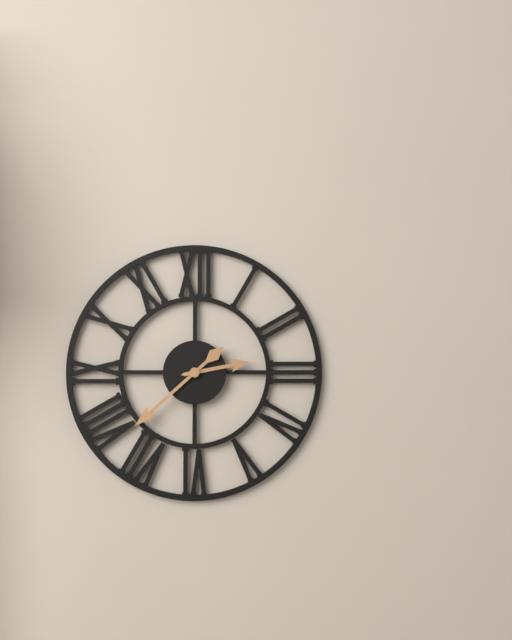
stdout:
{"hour": 2, "minute": 38}
